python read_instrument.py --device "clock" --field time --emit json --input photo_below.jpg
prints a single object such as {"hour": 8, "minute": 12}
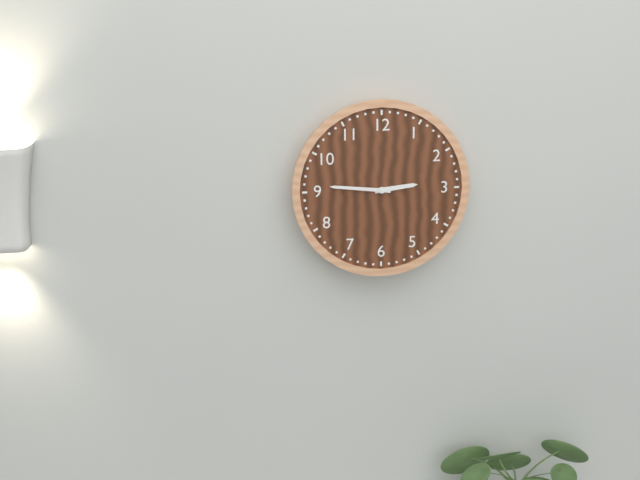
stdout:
{"hour": 2, "minute": 46}
